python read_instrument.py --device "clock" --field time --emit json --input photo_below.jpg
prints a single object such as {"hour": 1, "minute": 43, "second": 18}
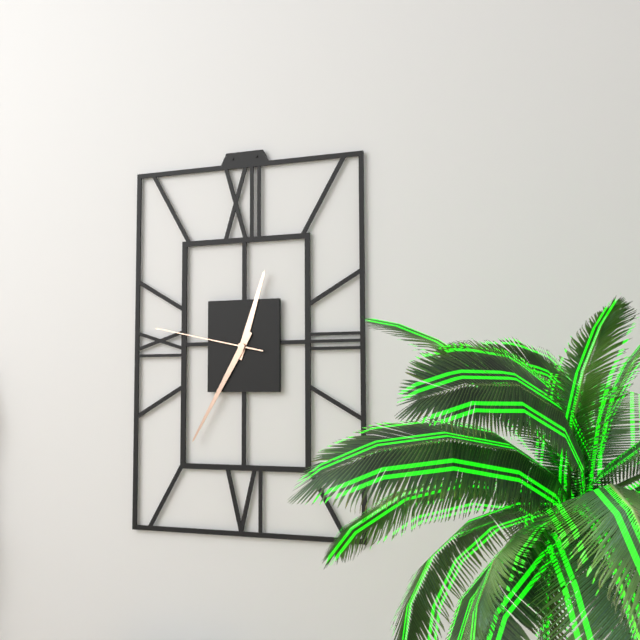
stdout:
{"hour": 12, "minute": 35, "second": 47}
